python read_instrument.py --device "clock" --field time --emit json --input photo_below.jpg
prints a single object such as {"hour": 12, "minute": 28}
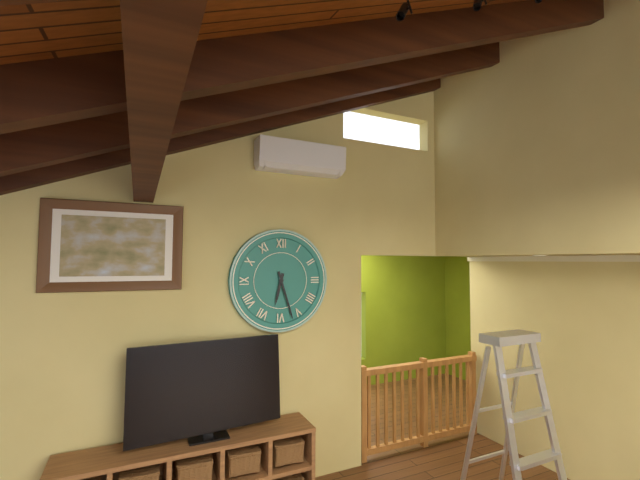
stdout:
{"hour": 6, "minute": 27}
